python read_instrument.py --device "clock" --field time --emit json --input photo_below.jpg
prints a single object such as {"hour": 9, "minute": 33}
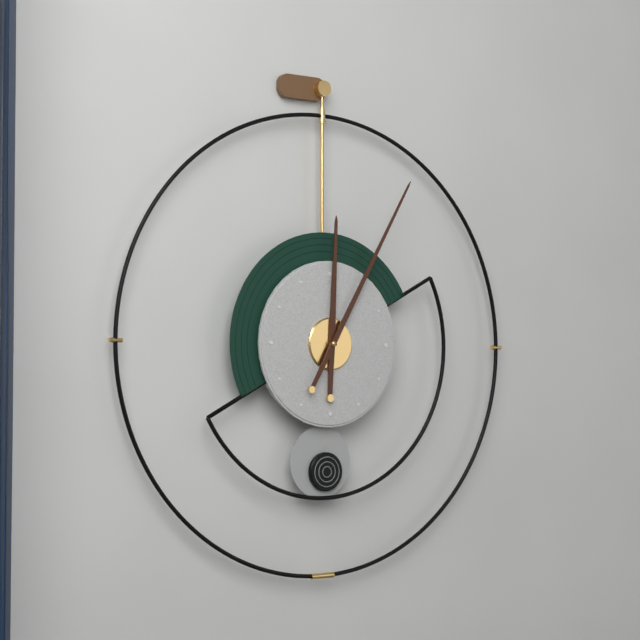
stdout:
{"hour": 12, "minute": 5}
